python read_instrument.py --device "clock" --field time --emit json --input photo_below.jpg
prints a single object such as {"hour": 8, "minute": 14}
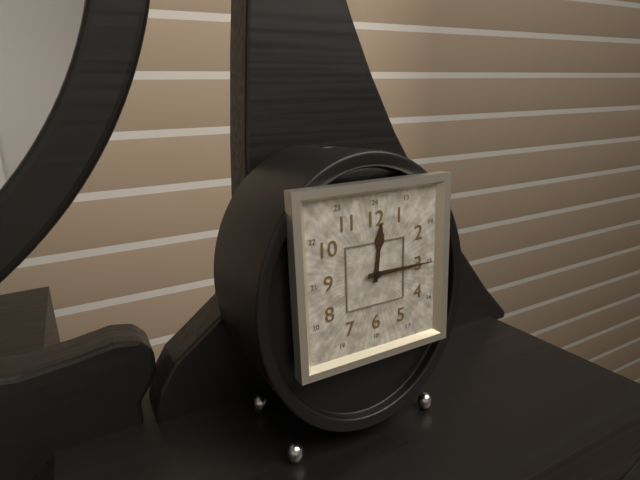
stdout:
{"hour": 12, "minute": 15}
